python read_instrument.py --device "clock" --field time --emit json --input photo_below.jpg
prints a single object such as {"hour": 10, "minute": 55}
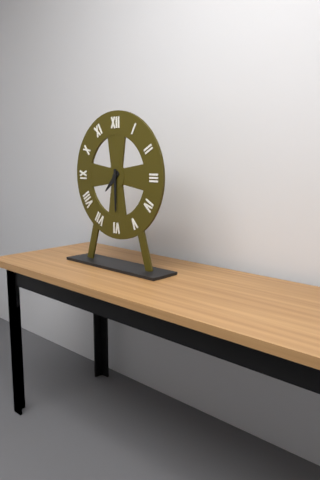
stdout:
{"hour": 7, "minute": 30}
